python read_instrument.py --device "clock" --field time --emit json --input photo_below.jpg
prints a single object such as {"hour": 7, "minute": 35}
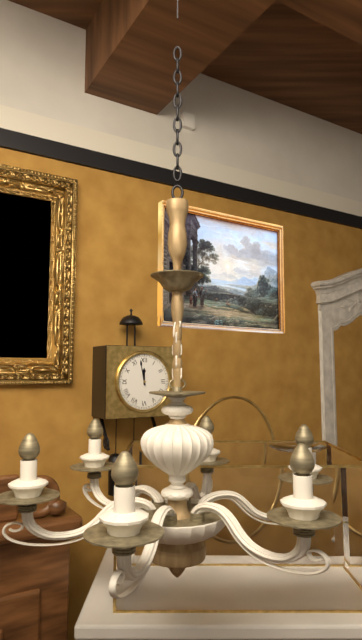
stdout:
{"hour": 11, "minute": 58}
